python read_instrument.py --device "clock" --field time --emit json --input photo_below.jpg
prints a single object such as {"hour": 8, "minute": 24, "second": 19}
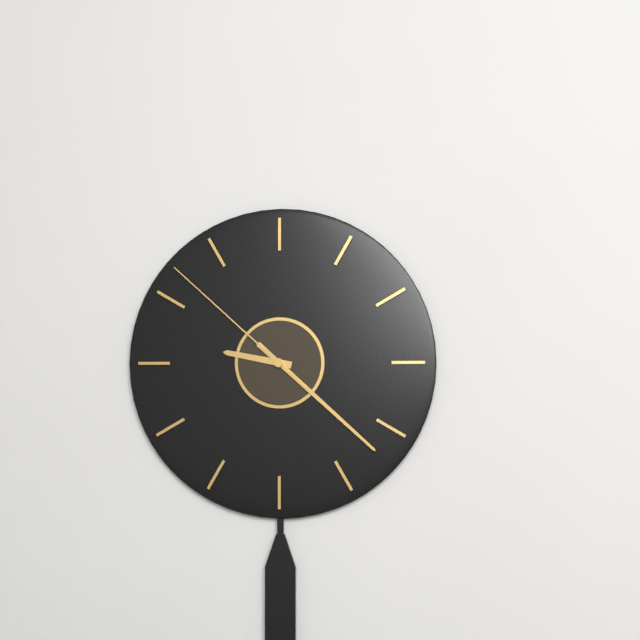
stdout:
{"hour": 9, "minute": 22, "second": 52}
